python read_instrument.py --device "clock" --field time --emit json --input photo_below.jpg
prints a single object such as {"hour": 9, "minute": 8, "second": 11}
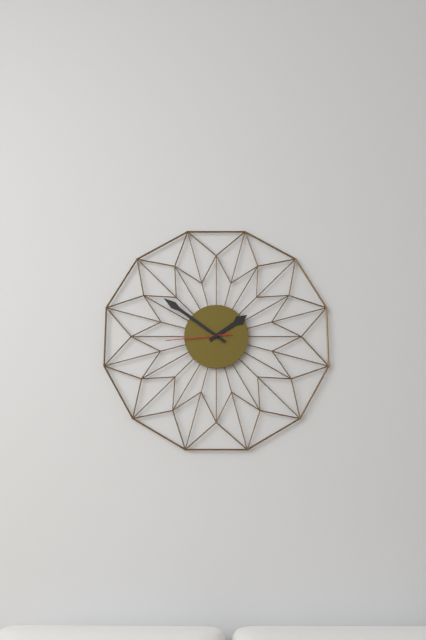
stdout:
{"hour": 1, "minute": 51, "second": 44}
